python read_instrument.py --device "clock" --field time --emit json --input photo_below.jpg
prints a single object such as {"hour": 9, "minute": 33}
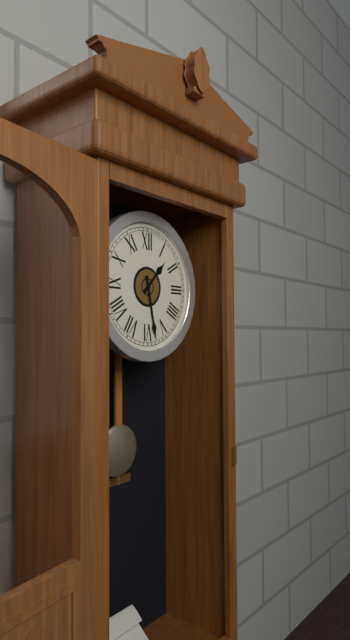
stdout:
{"hour": 1, "minute": 28}
